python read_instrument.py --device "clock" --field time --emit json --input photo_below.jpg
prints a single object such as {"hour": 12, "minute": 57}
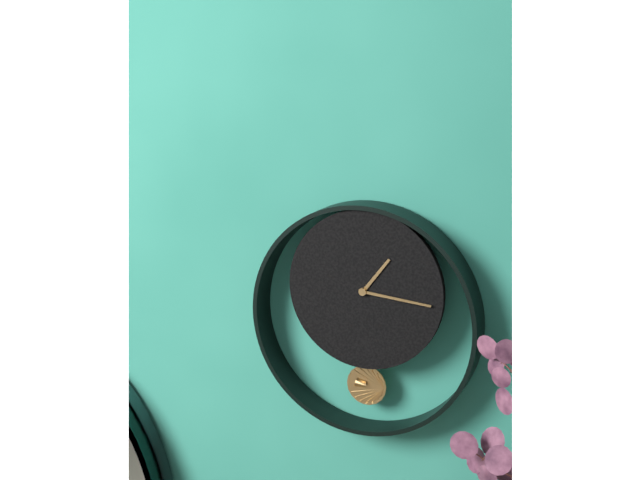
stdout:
{"hour": 1, "minute": 16}
